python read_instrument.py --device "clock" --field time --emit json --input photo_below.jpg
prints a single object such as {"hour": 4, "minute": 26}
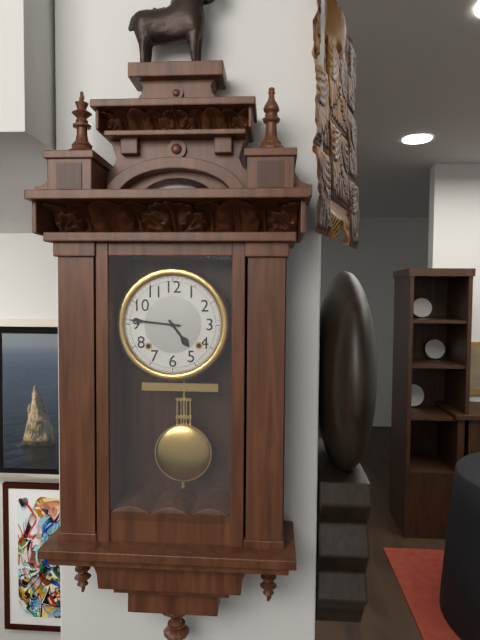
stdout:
{"hour": 4, "minute": 46}
